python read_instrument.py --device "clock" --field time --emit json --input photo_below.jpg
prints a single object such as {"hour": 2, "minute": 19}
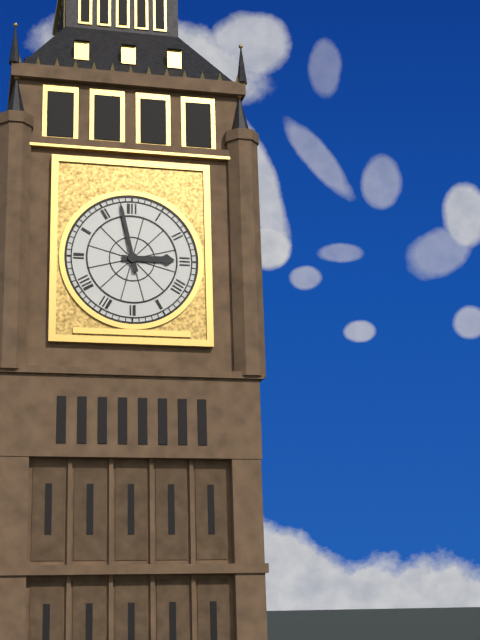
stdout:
{"hour": 2, "minute": 58}
